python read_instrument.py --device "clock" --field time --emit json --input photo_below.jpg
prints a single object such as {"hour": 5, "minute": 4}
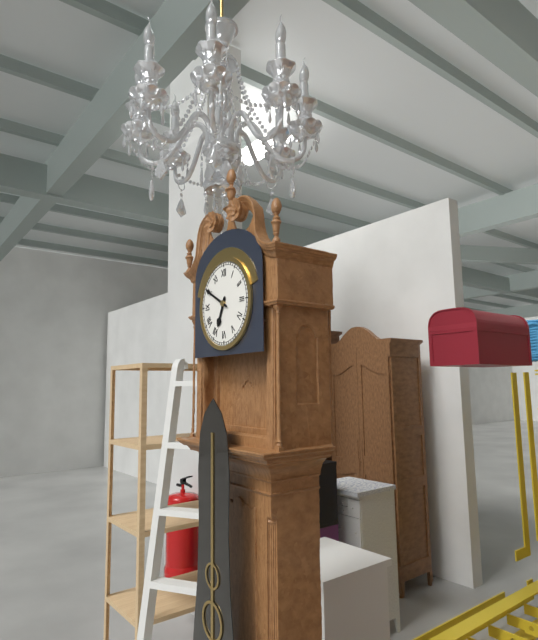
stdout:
{"hour": 6, "minute": 50}
